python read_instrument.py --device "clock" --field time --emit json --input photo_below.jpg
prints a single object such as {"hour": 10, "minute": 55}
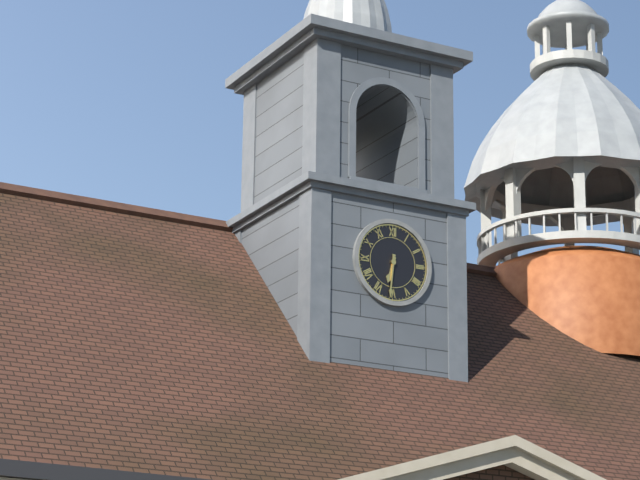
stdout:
{"hour": 6, "minute": 31}
